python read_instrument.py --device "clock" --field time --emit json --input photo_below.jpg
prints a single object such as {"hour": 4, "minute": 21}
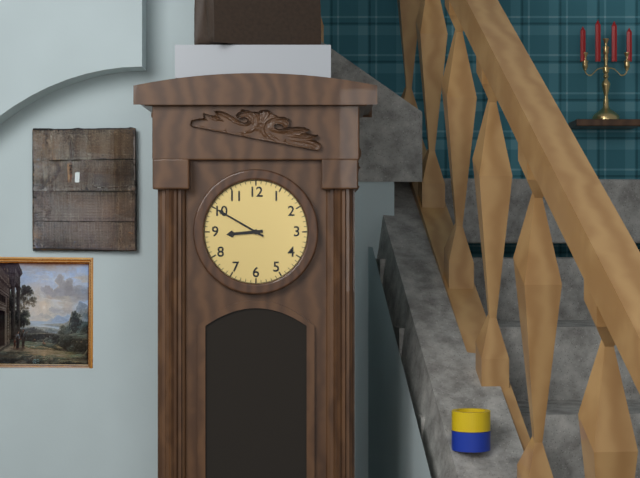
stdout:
{"hour": 8, "minute": 50}
